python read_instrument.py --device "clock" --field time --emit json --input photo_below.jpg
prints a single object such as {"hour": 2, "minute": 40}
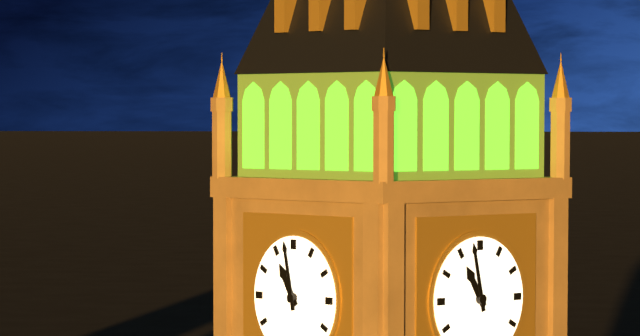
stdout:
{"hour": 10, "minute": 58}
